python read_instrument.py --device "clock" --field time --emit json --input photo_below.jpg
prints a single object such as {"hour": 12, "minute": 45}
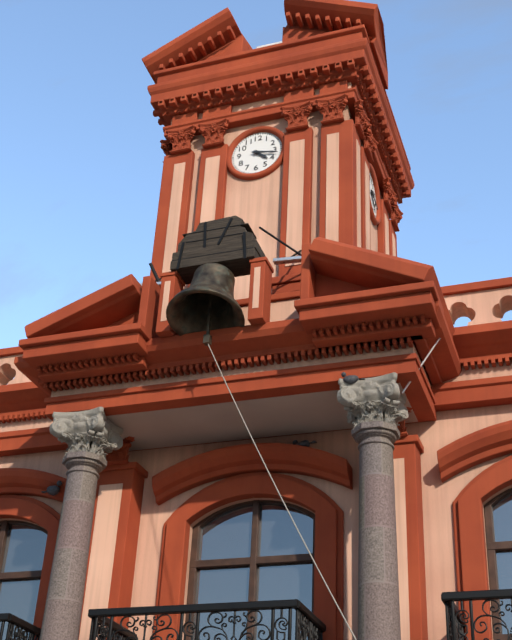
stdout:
{"hour": 4, "minute": 17}
